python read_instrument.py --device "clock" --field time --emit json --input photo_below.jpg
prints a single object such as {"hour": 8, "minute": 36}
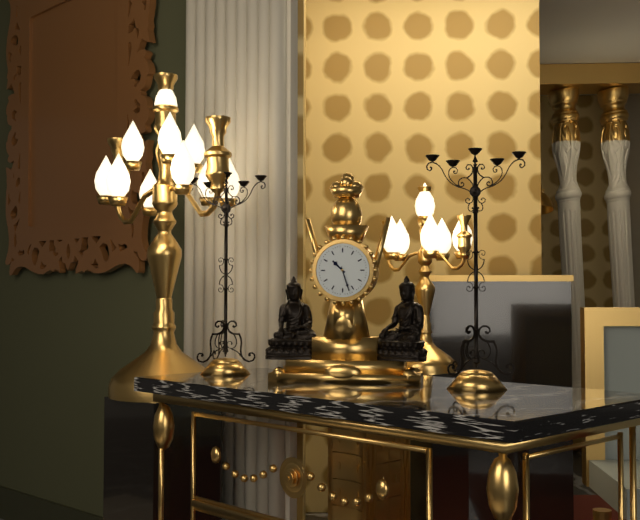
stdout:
{"hour": 10, "minute": 27}
